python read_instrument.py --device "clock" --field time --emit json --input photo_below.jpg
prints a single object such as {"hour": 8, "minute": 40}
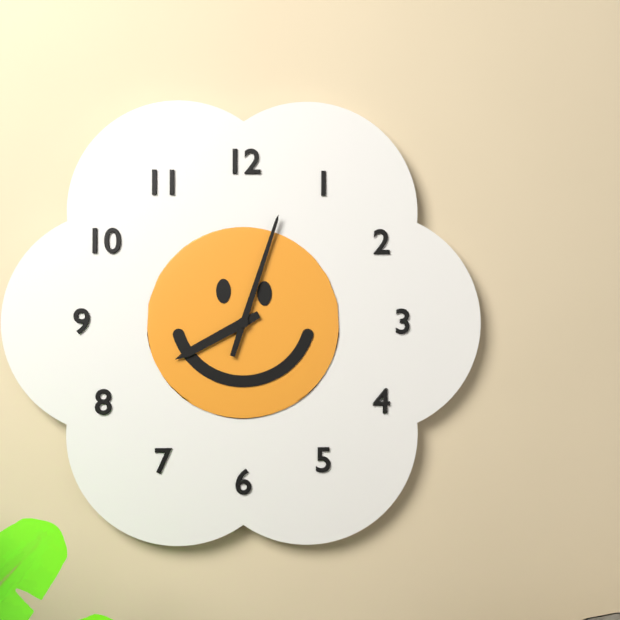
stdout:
{"hour": 8, "minute": 3}
